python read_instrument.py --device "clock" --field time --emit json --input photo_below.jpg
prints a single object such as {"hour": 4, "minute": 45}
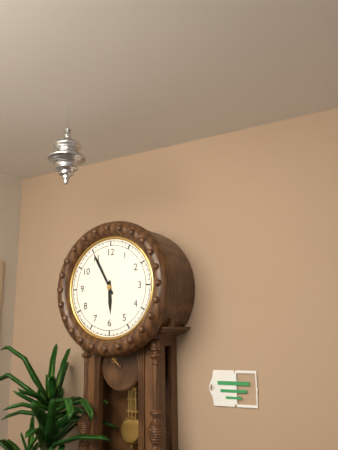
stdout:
{"hour": 5, "minute": 55}
